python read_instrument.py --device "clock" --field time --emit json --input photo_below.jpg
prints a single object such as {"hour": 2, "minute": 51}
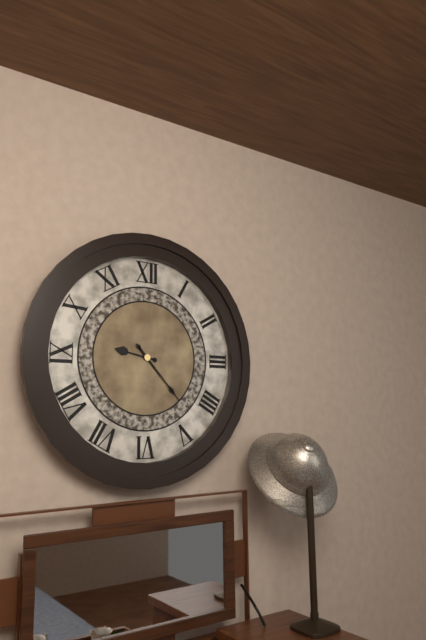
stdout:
{"hour": 9, "minute": 23}
